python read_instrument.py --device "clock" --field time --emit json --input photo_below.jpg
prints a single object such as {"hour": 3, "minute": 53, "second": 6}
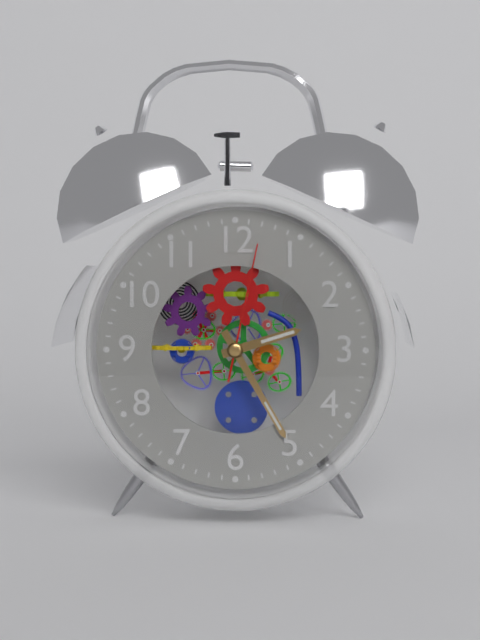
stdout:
{"hour": 2, "minute": 25, "second": 2}
